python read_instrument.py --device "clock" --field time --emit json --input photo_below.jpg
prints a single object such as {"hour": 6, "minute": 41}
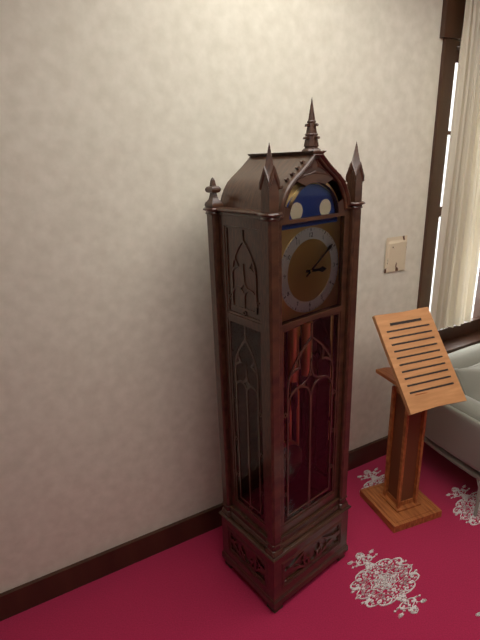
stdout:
{"hour": 3, "minute": 9}
